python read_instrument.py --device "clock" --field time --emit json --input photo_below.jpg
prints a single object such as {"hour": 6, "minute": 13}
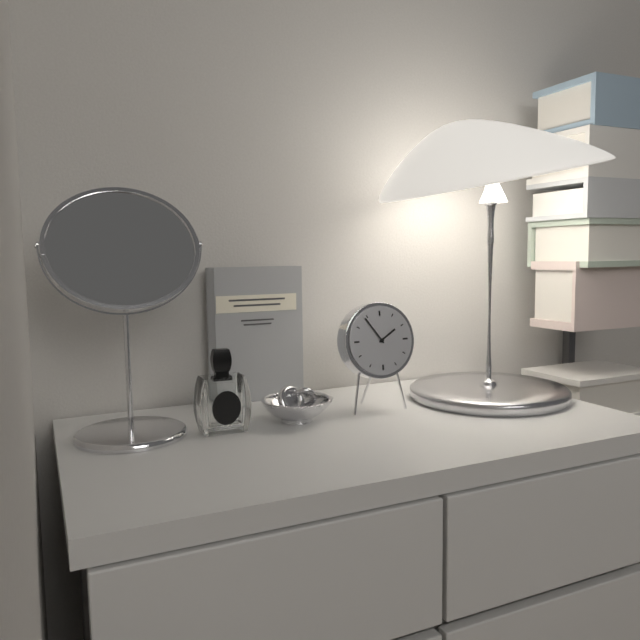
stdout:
{"hour": 1, "minute": 54}
